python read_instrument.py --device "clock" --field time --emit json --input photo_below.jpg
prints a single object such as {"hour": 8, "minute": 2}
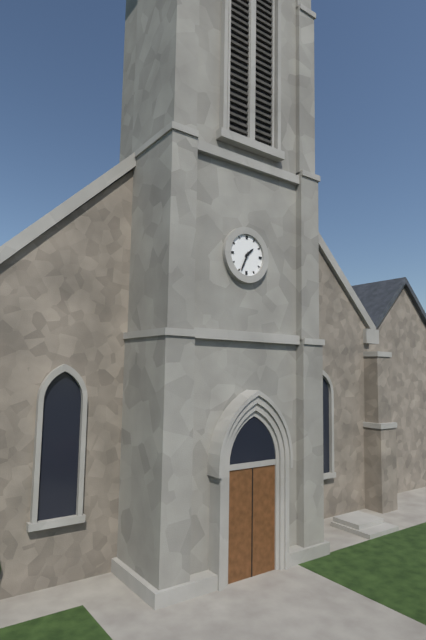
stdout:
{"hour": 1, "minute": 34}
